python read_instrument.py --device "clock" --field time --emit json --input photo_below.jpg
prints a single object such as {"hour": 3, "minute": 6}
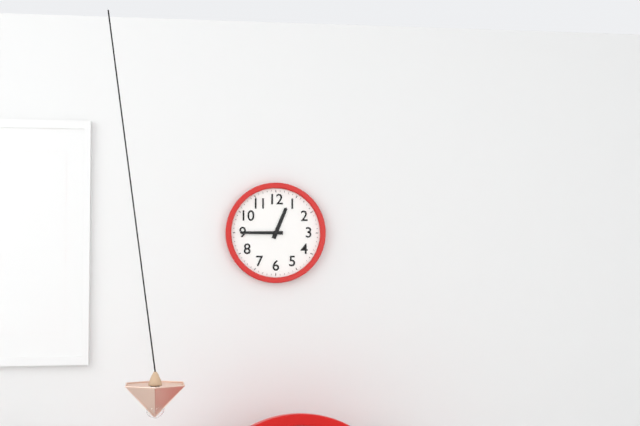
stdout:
{"hour": 12, "minute": 45}
